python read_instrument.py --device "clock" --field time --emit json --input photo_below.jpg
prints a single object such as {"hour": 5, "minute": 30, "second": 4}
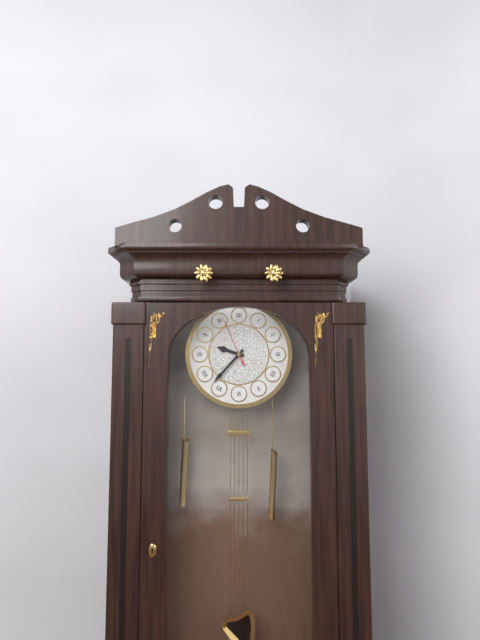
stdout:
{"hour": 9, "minute": 37, "second": 56}
